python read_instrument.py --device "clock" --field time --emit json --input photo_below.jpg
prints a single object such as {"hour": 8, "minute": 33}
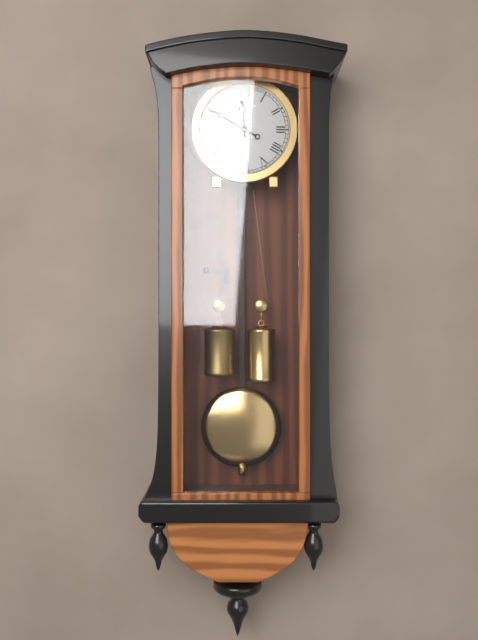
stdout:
{"hour": 11, "minute": 50}
